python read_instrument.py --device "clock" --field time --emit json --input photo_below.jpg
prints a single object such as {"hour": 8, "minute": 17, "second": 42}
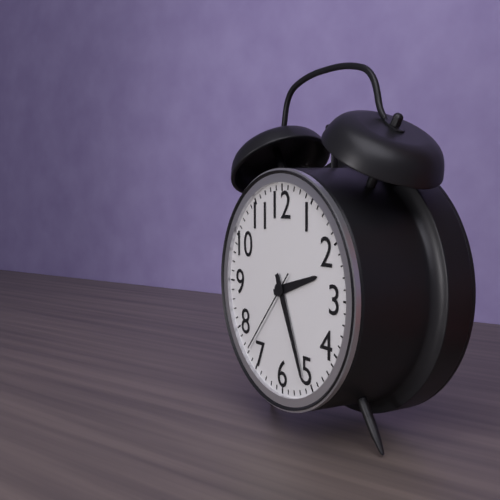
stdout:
{"hour": 2, "minute": 26, "second": 37}
